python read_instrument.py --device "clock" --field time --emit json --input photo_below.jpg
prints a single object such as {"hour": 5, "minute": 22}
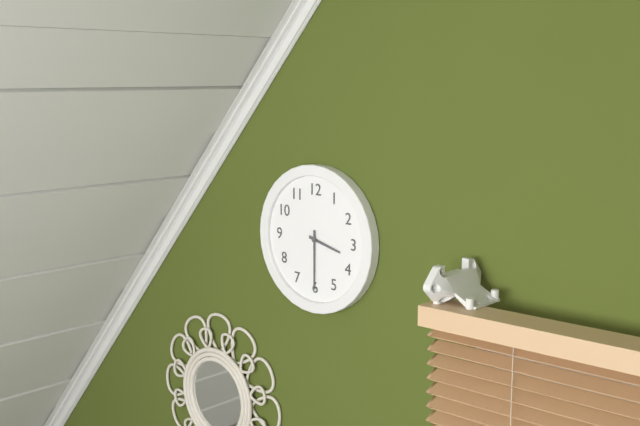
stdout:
{"hour": 3, "minute": 30}
